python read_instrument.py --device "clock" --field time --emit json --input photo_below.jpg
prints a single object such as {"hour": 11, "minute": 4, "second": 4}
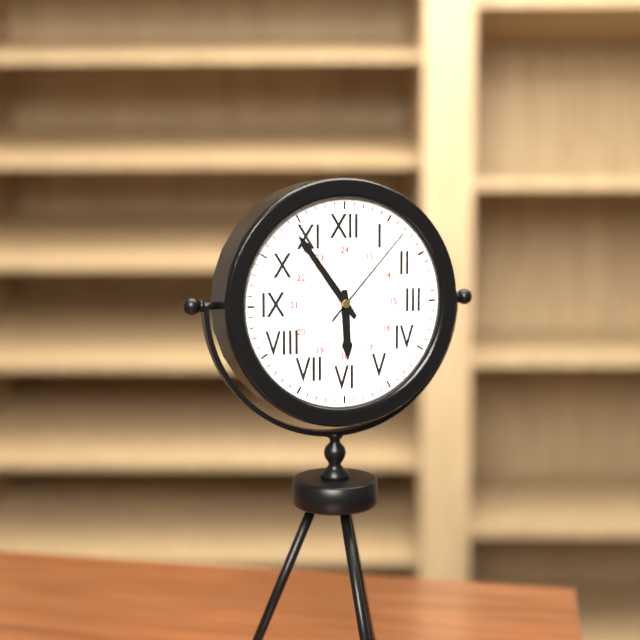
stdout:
{"hour": 5, "minute": 54, "second": 7}
